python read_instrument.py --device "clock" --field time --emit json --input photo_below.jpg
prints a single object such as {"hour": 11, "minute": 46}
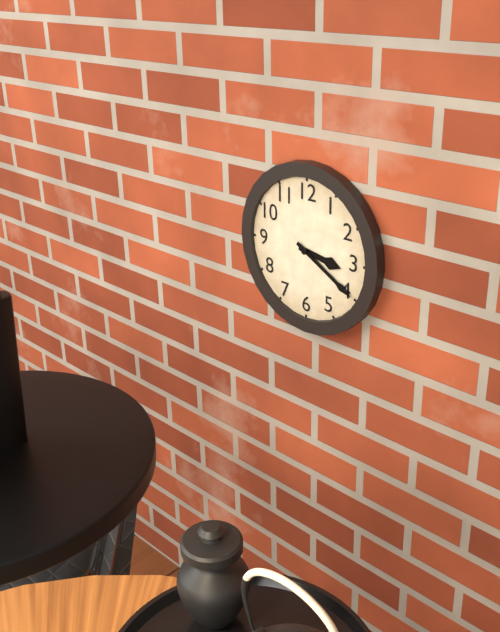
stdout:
{"hour": 3, "minute": 20}
